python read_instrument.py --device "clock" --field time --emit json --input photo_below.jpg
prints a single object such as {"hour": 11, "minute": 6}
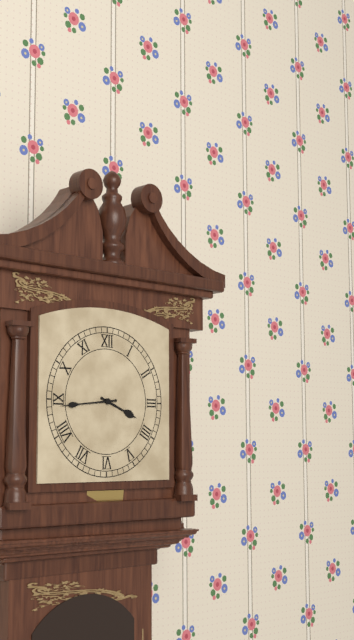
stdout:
{"hour": 3, "minute": 44}
